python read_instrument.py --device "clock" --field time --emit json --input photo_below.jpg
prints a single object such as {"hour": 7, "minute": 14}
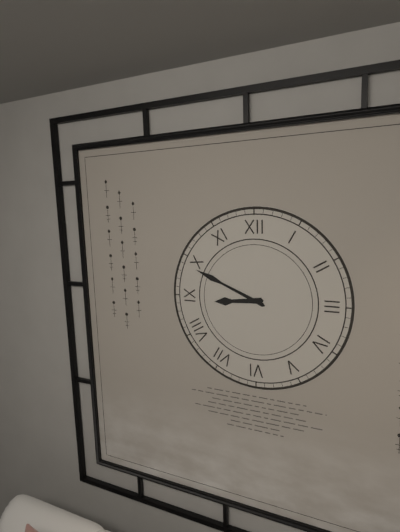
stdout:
{"hour": 8, "minute": 49}
